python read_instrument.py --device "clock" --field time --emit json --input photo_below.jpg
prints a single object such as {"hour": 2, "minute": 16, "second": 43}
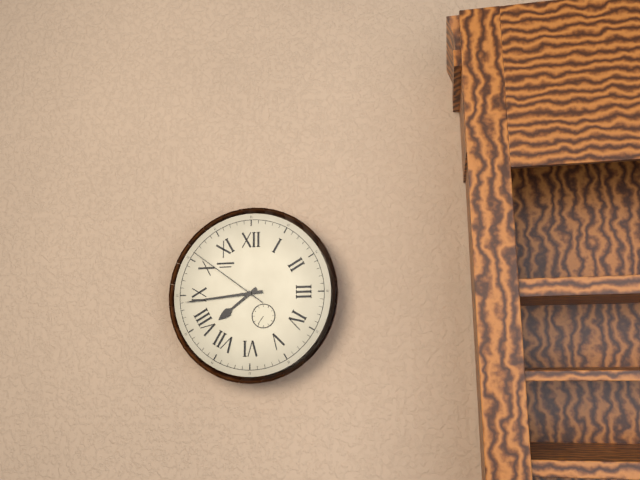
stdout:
{"hour": 7, "minute": 44, "second": 51}
